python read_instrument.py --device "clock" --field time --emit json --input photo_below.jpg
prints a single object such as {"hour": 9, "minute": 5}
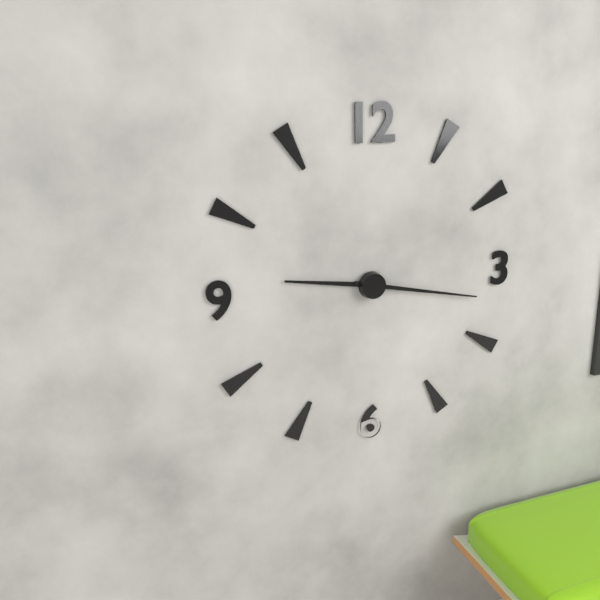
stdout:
{"hour": 9, "minute": 17}
